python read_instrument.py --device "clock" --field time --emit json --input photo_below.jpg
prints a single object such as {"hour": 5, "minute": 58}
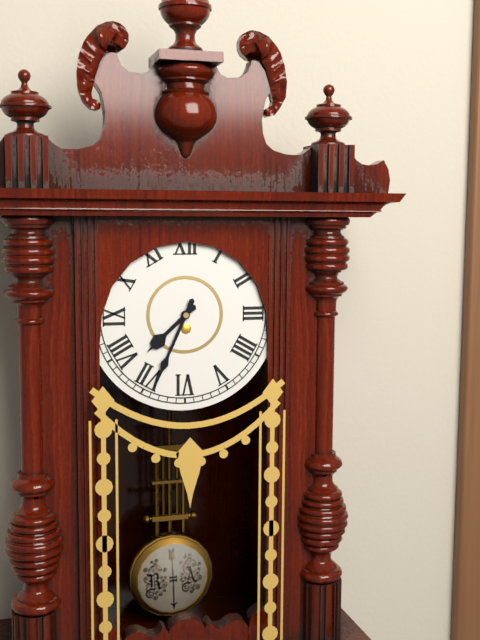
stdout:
{"hour": 7, "minute": 34}
